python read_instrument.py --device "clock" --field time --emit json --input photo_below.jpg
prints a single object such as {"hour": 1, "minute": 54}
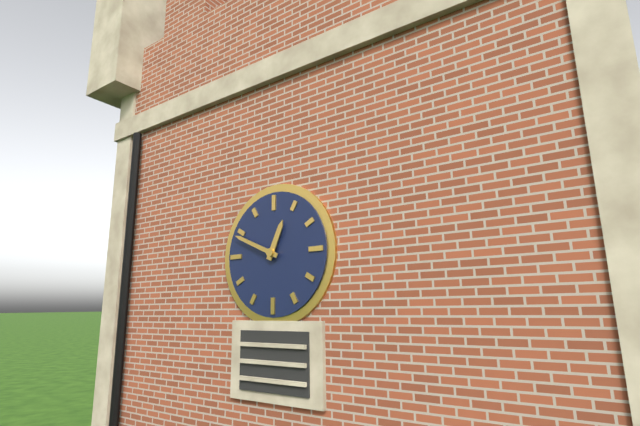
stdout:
{"hour": 12, "minute": 49}
